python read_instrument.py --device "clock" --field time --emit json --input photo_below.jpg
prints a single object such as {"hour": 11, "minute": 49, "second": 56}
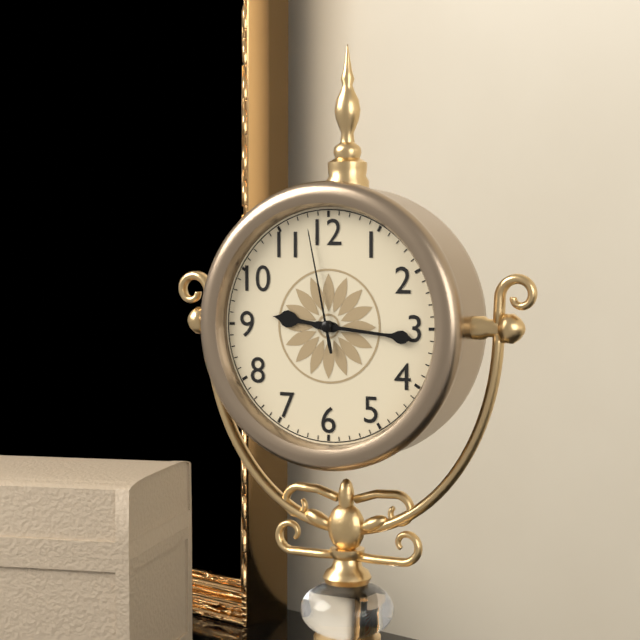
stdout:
{"hour": 9, "minute": 16, "second": 58}
